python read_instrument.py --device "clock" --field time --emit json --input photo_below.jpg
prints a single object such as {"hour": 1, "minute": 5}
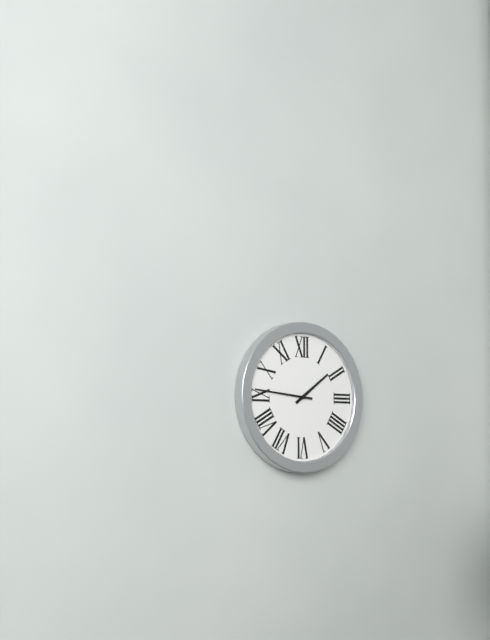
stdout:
{"hour": 1, "minute": 46}
